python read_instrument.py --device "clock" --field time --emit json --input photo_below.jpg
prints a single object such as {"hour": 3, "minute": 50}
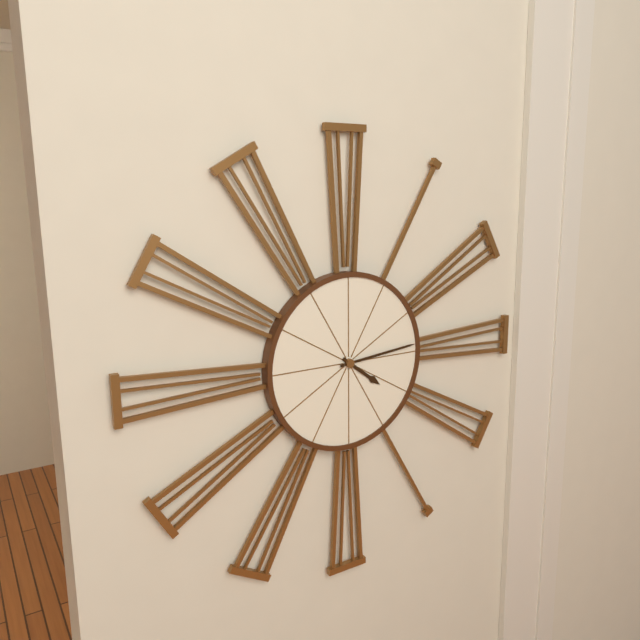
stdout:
{"hour": 4, "minute": 14}
